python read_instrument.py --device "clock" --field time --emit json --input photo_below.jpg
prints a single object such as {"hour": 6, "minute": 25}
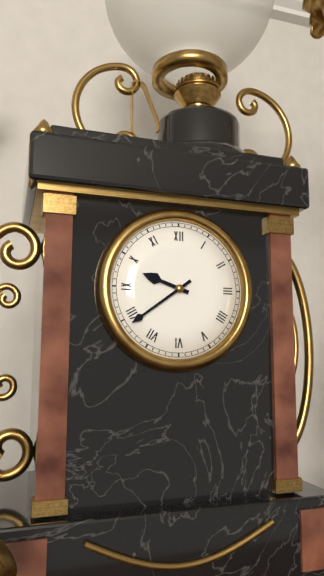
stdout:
{"hour": 9, "minute": 39}
